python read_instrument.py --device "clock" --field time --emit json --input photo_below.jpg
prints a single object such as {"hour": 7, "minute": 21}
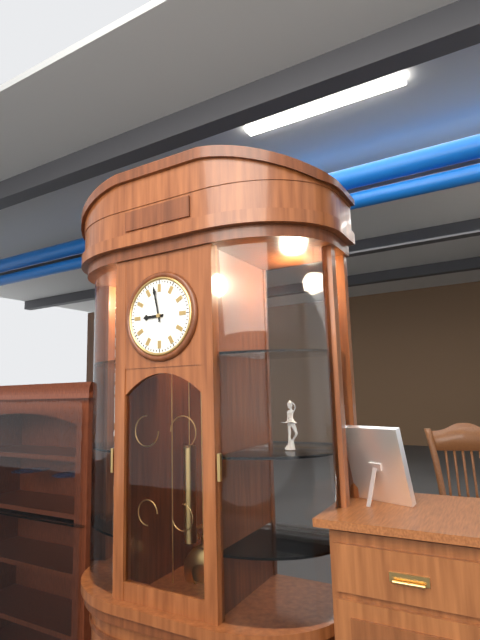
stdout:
{"hour": 8, "minute": 58}
